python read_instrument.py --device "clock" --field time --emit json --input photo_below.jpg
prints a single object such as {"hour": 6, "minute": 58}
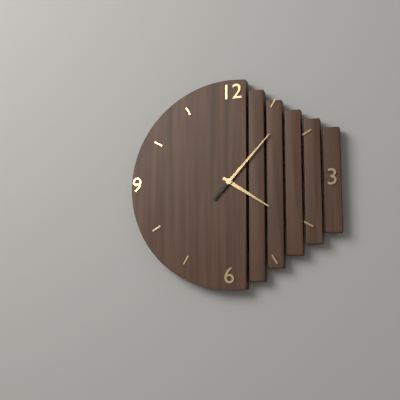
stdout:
{"hour": 4, "minute": 7}
